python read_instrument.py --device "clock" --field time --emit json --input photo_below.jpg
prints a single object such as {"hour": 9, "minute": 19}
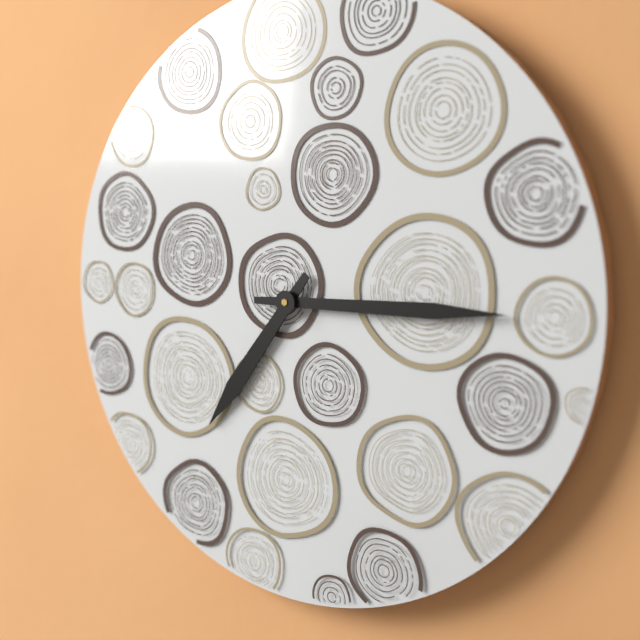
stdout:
{"hour": 7, "minute": 15}
